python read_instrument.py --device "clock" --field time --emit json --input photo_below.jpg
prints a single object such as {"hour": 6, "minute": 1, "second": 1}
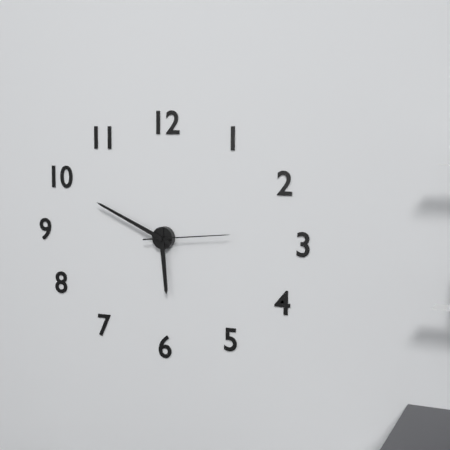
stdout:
{"hour": 5, "minute": 49, "second": 14}
